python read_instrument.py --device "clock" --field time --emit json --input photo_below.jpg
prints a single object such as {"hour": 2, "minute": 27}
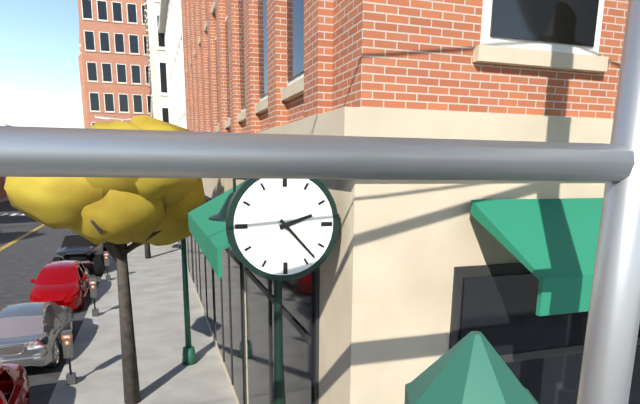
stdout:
{"hour": 2, "minute": 23}
